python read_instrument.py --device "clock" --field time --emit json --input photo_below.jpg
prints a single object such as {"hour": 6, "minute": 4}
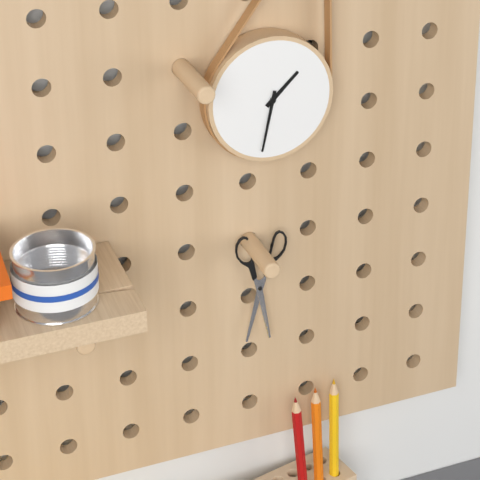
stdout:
{"hour": 1, "minute": 32}
